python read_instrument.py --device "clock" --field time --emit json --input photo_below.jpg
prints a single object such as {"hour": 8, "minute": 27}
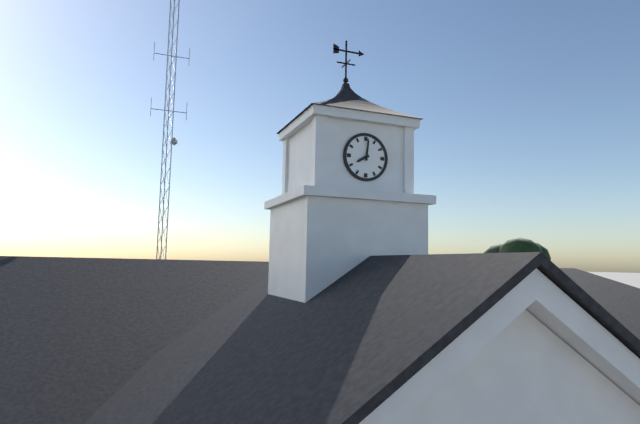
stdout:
{"hour": 8, "minute": 1}
